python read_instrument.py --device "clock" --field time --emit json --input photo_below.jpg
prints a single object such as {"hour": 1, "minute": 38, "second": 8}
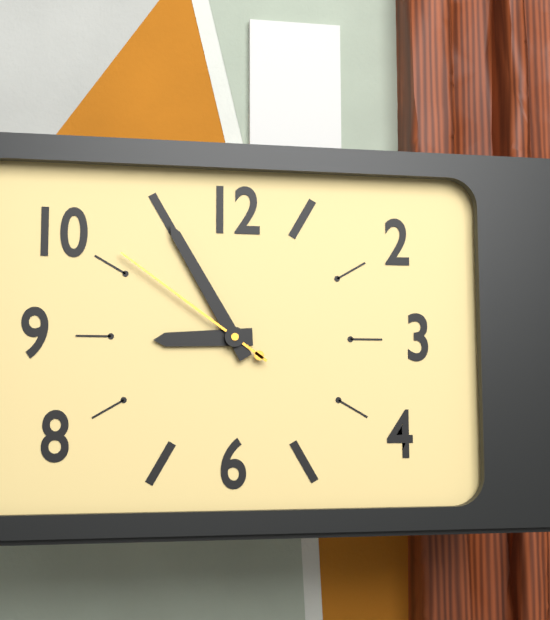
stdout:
{"hour": 8, "minute": 55, "second": 51}
